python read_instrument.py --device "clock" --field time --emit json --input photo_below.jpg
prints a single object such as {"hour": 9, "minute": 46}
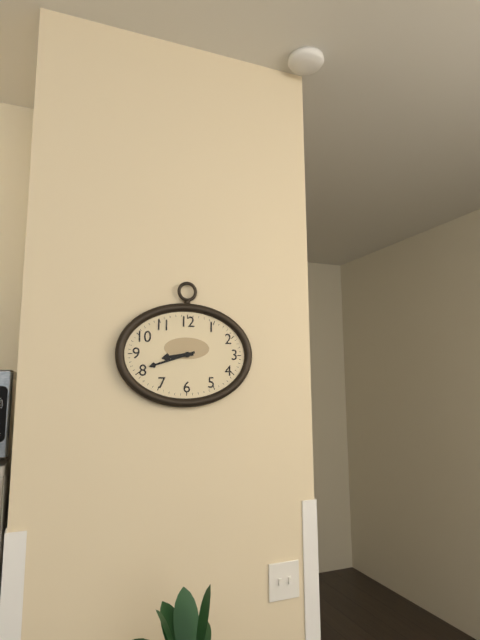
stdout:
{"hour": 8, "minute": 42}
